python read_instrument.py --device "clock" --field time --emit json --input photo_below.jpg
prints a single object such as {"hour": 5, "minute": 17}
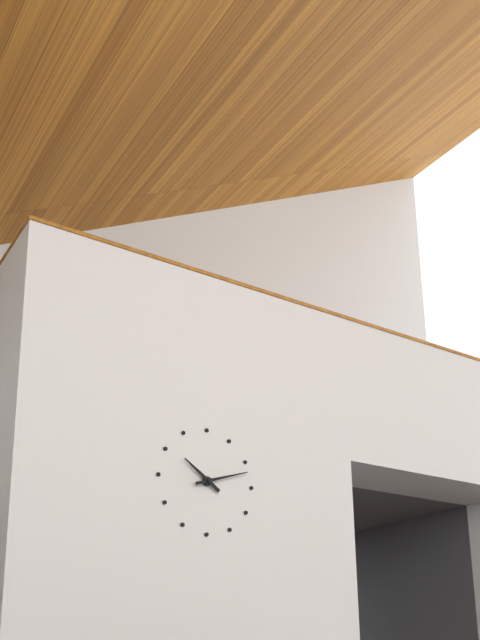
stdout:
{"hour": 10, "minute": 12}
